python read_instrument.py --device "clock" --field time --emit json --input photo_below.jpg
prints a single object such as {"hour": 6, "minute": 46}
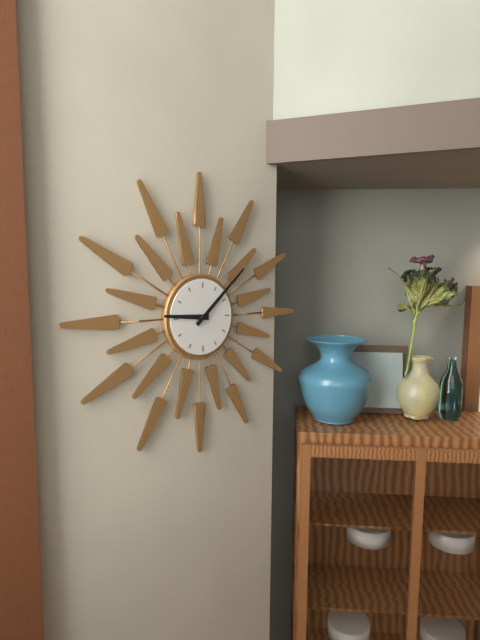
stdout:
{"hour": 9, "minute": 8}
